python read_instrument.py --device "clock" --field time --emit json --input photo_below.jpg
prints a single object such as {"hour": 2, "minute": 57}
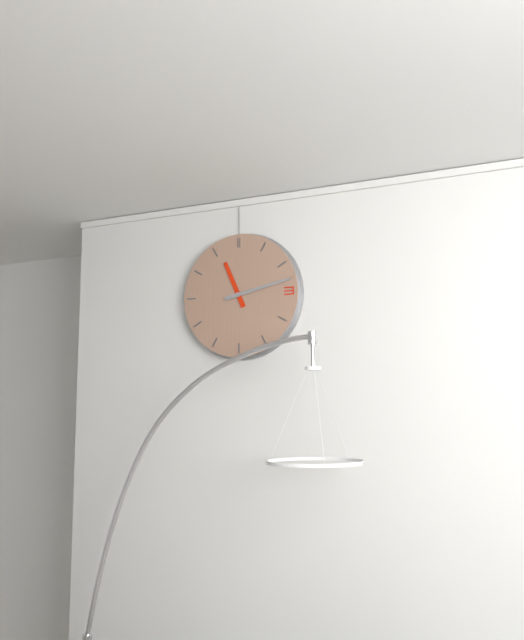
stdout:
{"hour": 11, "minute": 13}
